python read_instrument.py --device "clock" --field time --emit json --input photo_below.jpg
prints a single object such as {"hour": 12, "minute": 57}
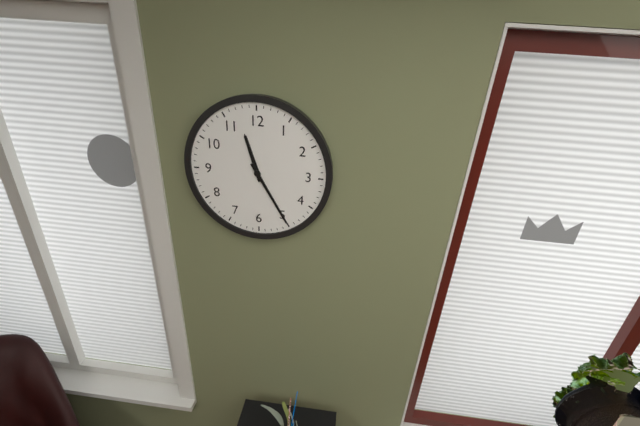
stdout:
{"hour": 11, "minute": 25}
